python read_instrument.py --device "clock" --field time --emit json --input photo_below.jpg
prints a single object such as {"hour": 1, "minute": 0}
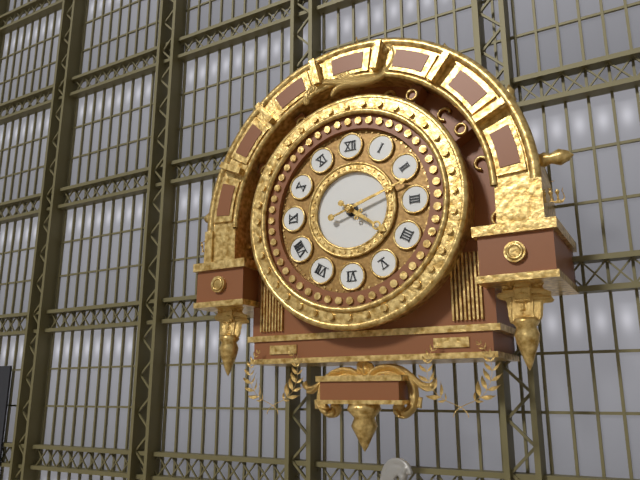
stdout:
{"hour": 4, "minute": 12}
